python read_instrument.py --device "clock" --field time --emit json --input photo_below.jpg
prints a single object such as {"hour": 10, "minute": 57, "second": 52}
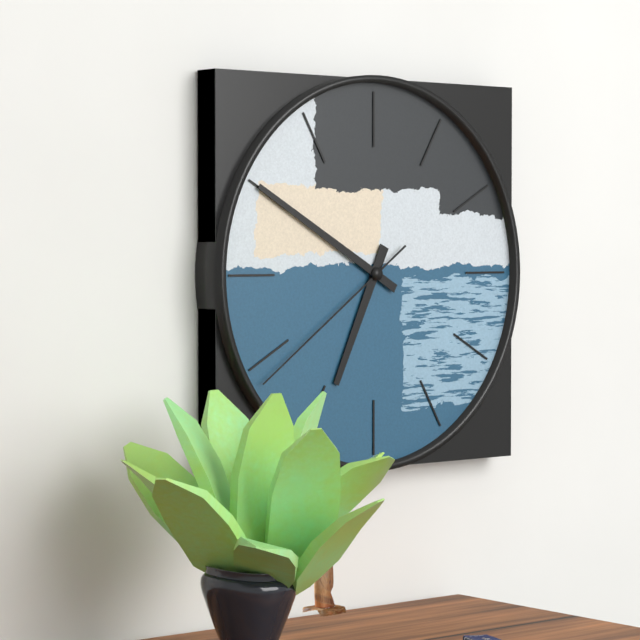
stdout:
{"hour": 6, "minute": 50, "second": 39}
